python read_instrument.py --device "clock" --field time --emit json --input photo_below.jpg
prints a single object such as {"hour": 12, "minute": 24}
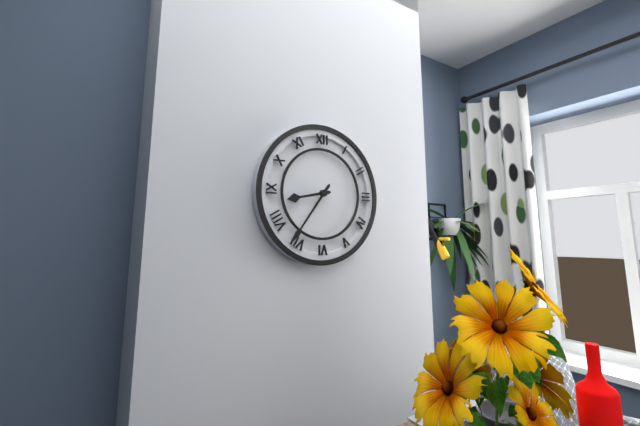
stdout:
{"hour": 8, "minute": 36}
